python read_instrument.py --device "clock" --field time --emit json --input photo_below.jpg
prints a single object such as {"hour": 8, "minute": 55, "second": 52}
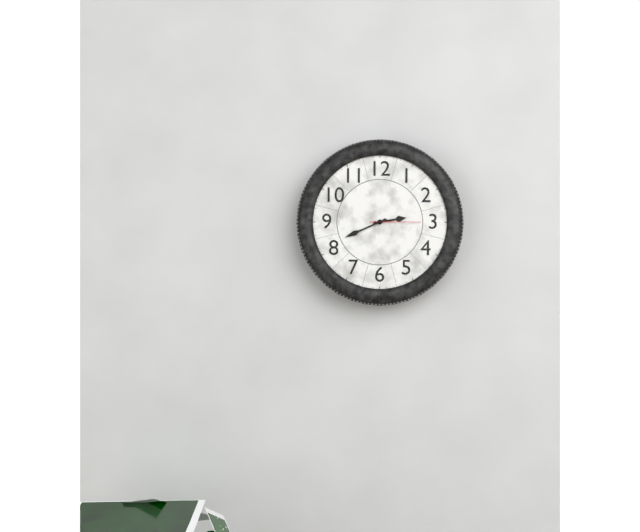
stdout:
{"hour": 2, "minute": 41, "second": 15}
